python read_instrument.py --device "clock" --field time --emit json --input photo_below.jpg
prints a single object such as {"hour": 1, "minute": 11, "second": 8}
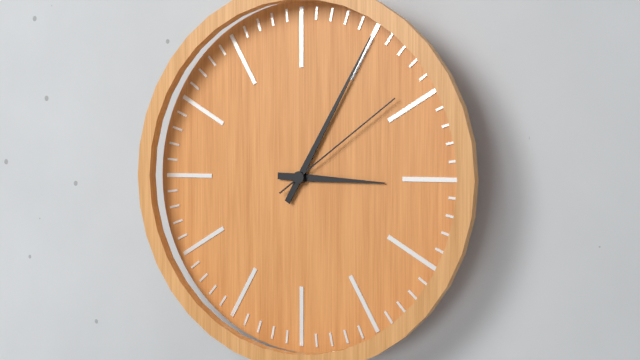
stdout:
{"hour": 3, "minute": 5, "second": 9}
